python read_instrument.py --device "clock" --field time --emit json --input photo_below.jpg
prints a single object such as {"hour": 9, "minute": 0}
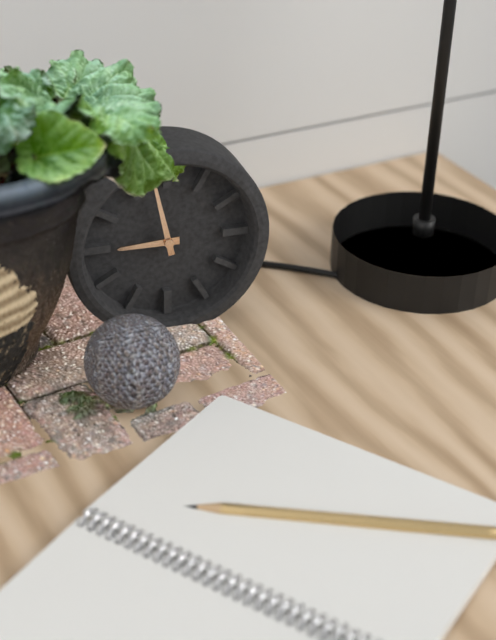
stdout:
{"hour": 8, "minute": 58}
